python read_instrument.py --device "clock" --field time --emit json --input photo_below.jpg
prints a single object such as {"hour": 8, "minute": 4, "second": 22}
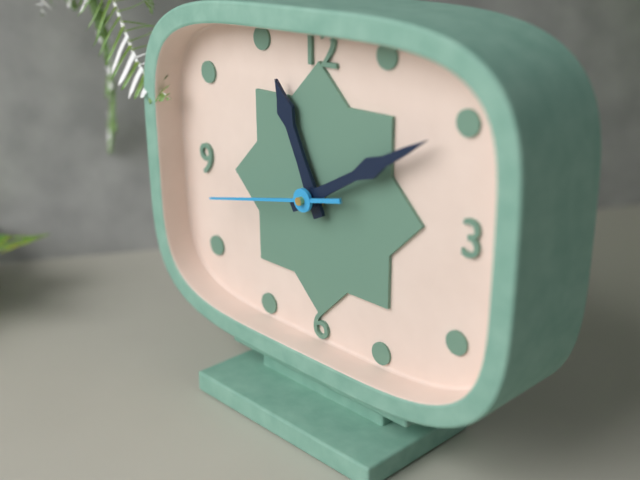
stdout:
{"hour": 11, "minute": 10, "second": 43}
